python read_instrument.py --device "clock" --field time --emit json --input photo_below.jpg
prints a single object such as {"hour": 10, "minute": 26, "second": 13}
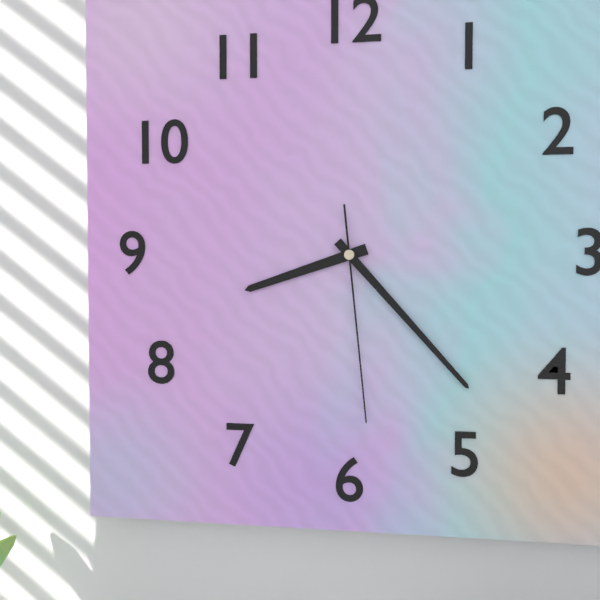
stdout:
{"hour": 8, "minute": 23, "second": 29}
